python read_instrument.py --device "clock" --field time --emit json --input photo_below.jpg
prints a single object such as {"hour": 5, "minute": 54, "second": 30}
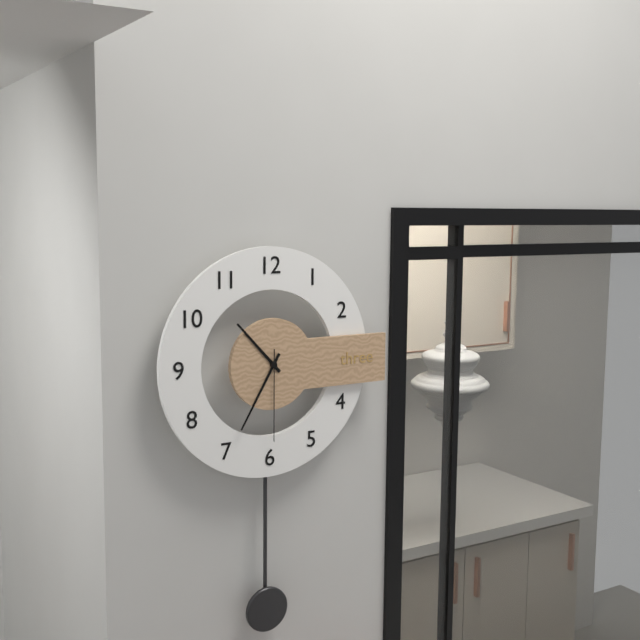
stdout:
{"hour": 10, "minute": 35, "second": 30}
